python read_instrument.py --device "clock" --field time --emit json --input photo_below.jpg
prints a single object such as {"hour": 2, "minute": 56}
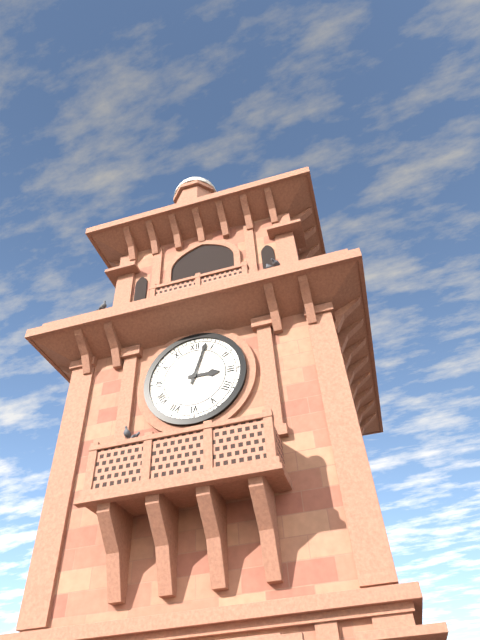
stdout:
{"hour": 3, "minute": 3}
